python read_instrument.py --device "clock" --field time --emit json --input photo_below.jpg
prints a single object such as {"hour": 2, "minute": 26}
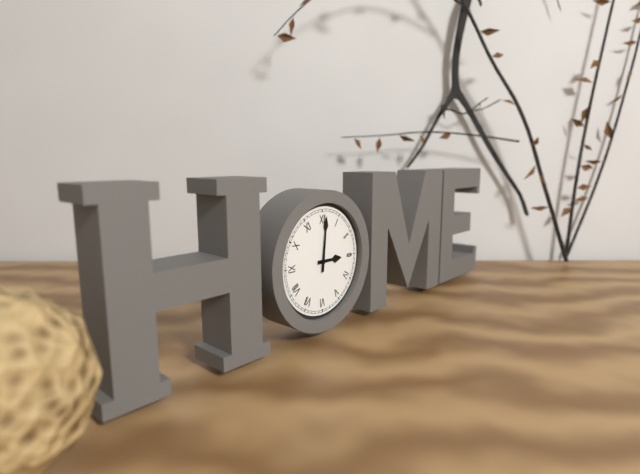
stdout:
{"hour": 3, "minute": 1}
